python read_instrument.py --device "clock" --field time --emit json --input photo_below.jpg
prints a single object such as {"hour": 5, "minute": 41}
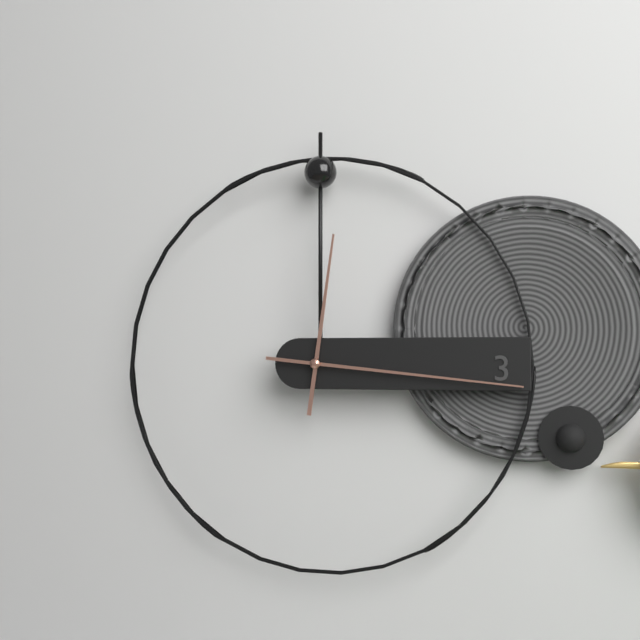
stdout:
{"hour": 12, "minute": 16}
